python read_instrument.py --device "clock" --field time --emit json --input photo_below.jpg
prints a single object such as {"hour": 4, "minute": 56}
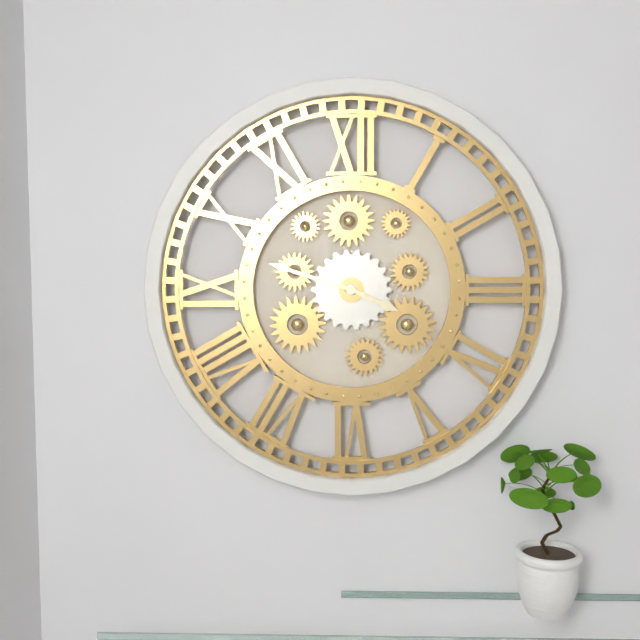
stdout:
{"hour": 3, "minute": 48}
